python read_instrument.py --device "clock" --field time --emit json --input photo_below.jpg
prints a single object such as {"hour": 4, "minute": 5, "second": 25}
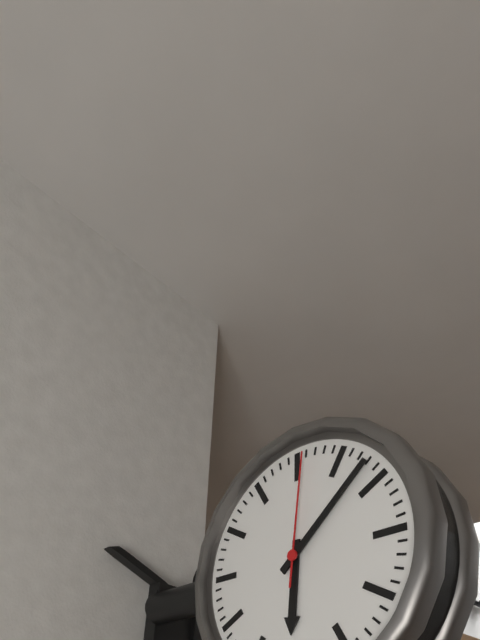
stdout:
{"hour": 6, "minute": 8, "second": 1}
